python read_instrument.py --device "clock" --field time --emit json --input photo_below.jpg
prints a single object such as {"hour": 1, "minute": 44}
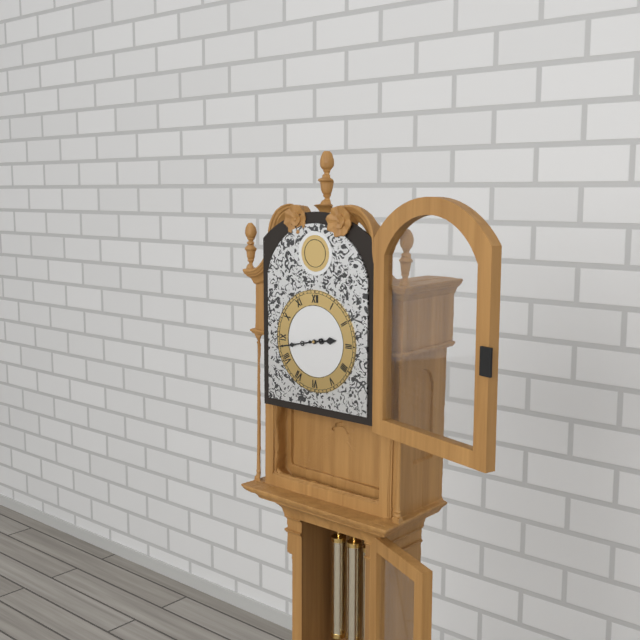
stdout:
{"hour": 2, "minute": 43}
